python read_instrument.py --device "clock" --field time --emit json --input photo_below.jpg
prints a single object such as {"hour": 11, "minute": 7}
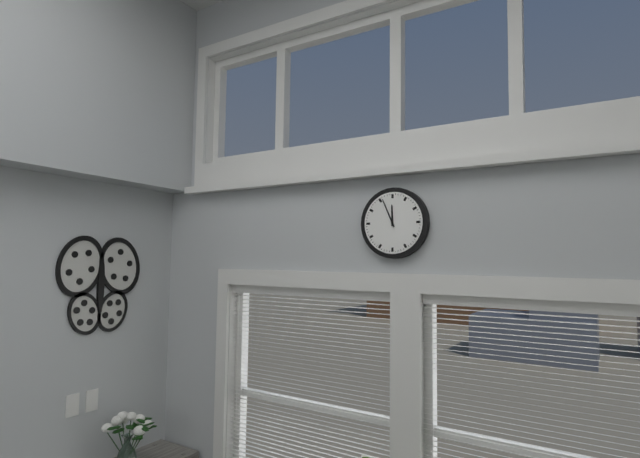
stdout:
{"hour": 11, "minute": 56}
